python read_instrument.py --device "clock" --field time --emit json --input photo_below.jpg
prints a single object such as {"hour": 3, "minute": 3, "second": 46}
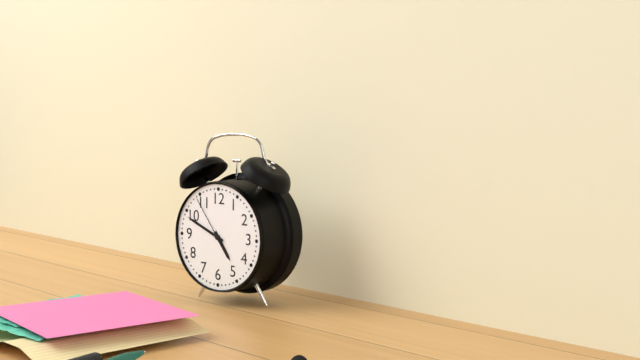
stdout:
{"hour": 4, "minute": 49, "second": 54}
